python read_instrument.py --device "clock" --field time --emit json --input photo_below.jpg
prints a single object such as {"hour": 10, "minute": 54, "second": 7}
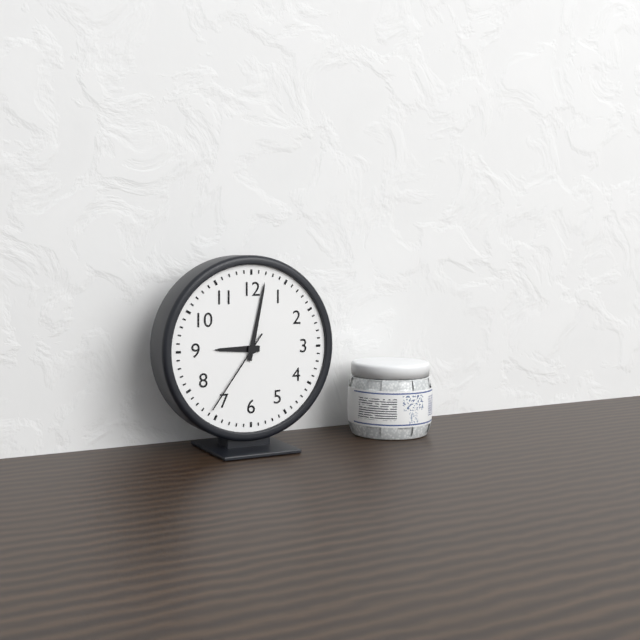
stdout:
{"hour": 9, "minute": 2, "second": 36}
